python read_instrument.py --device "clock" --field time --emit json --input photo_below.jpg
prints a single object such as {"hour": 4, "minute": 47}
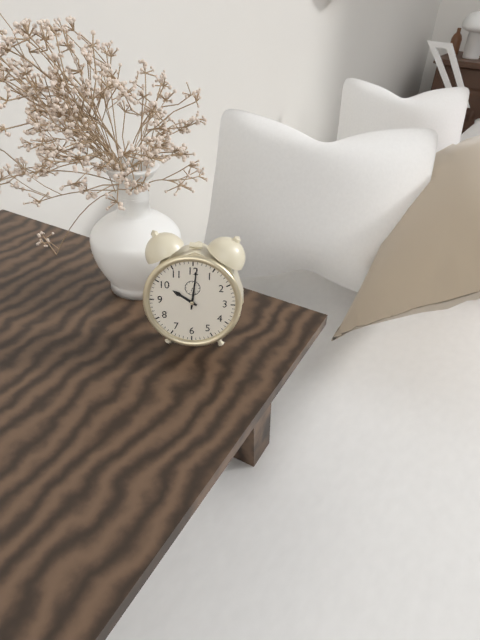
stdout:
{"hour": 10, "minute": 1}
